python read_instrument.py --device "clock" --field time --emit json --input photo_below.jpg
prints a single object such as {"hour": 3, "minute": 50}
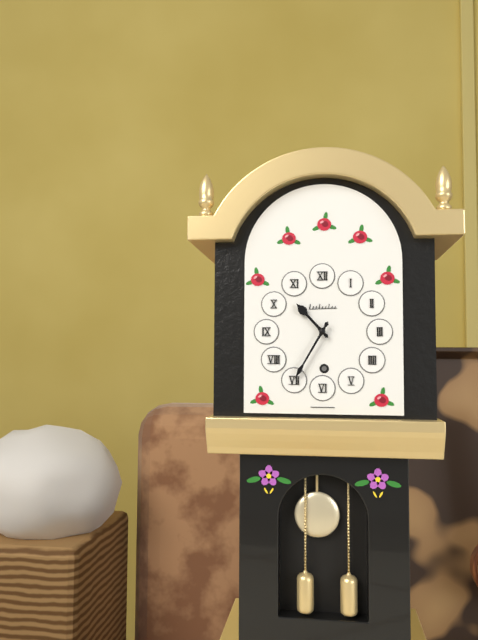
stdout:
{"hour": 10, "minute": 35}
